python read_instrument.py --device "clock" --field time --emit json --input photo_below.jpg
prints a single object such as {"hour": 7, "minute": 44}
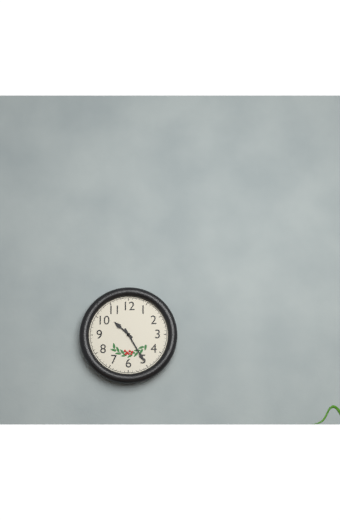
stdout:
{"hour": 10, "minute": 25}
